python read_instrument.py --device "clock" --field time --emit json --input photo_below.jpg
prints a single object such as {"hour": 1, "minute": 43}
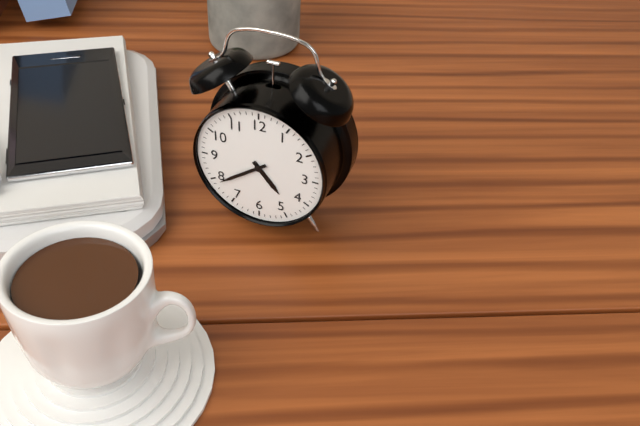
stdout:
{"hour": 4, "minute": 39}
